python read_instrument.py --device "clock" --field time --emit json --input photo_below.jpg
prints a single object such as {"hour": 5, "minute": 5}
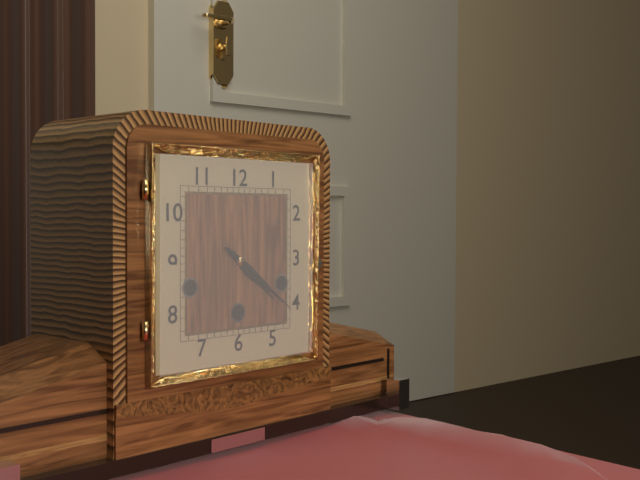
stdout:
{"hour": 4, "minute": 21}
